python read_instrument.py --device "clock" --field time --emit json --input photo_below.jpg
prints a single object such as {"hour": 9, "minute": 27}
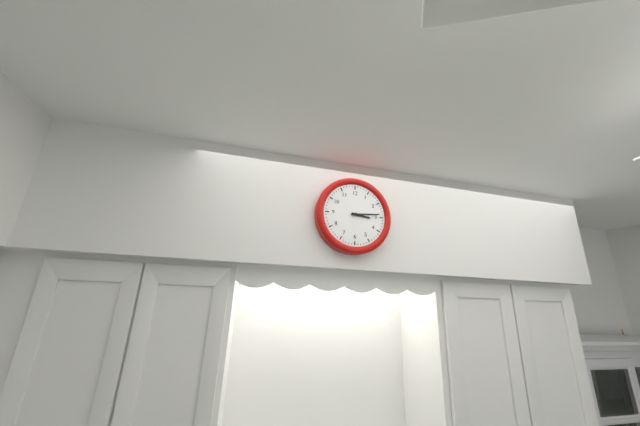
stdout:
{"hour": 3, "minute": 14}
